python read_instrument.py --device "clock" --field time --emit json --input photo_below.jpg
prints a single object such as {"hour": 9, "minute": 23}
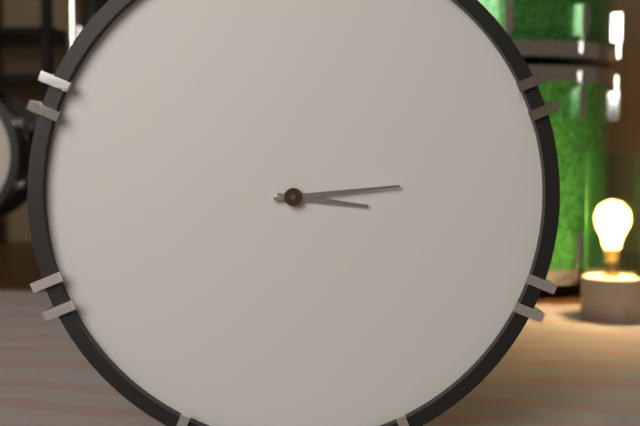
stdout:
{"hour": 3, "minute": 14}
